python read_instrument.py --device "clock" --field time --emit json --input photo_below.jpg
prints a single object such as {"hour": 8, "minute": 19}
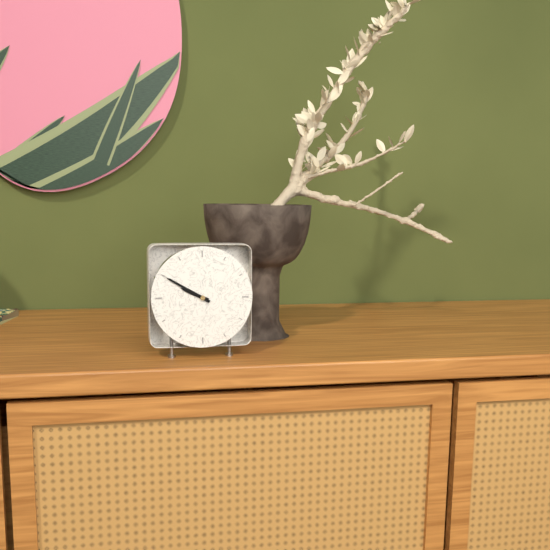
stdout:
{"hour": 9, "minute": 50}
